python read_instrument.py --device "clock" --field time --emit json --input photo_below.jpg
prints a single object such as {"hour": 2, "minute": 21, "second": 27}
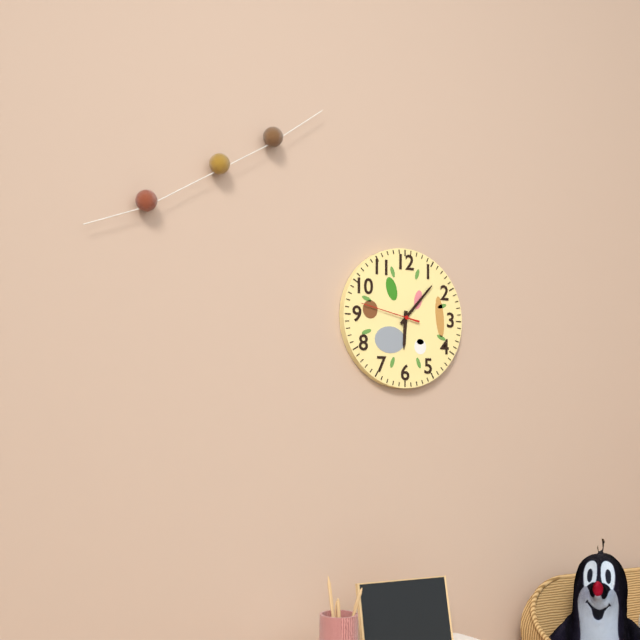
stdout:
{"hour": 6, "minute": 7, "second": 47}
